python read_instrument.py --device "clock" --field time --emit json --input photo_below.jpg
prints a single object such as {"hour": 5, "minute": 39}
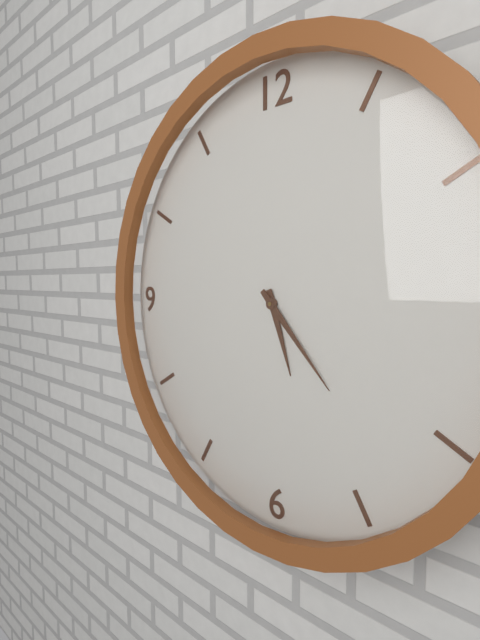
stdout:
{"hour": 5, "minute": 23}
